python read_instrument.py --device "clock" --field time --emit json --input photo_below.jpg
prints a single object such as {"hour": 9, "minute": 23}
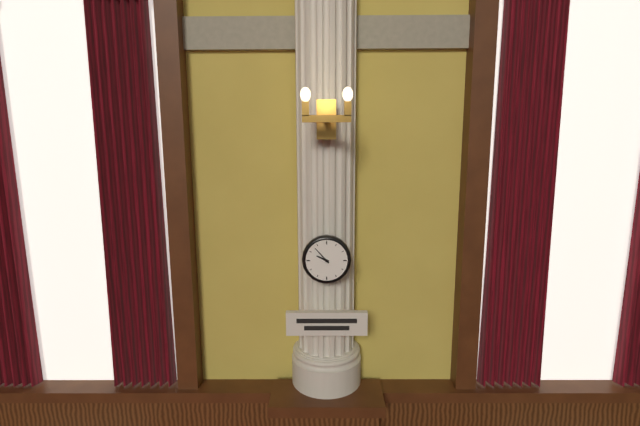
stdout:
{"hour": 9, "minute": 53}
